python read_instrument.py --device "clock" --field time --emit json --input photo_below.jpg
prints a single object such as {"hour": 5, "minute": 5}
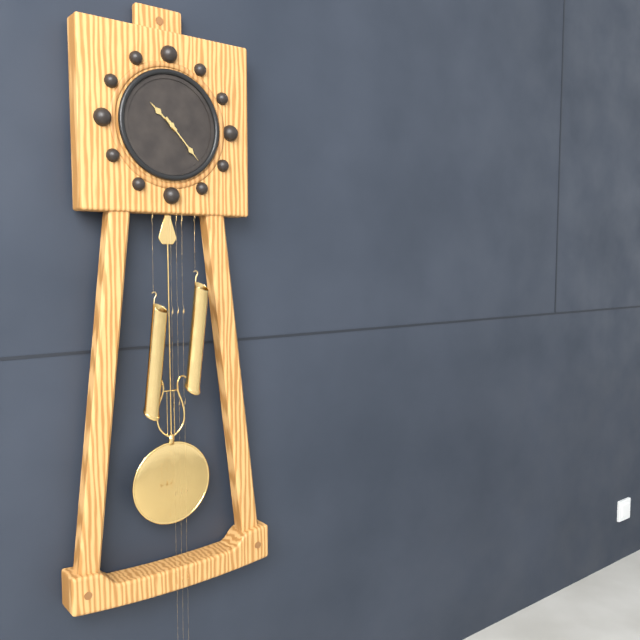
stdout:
{"hour": 10, "minute": 23}
